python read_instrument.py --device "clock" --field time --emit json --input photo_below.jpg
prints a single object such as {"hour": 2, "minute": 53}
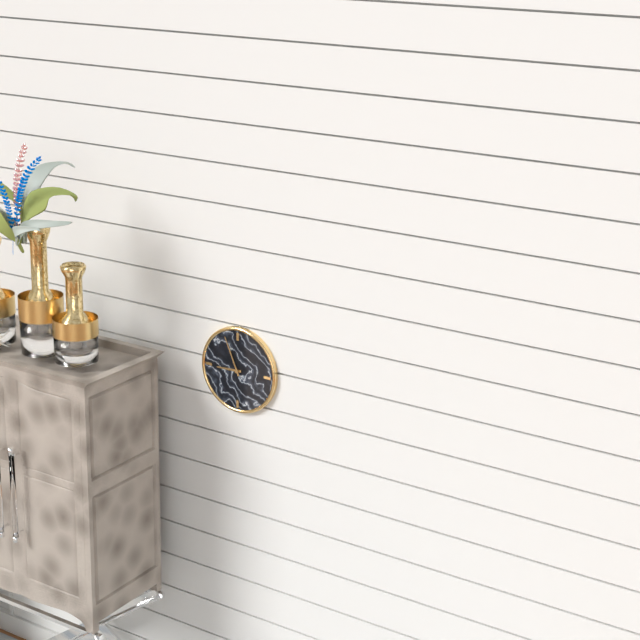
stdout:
{"hour": 8, "minute": 56}
